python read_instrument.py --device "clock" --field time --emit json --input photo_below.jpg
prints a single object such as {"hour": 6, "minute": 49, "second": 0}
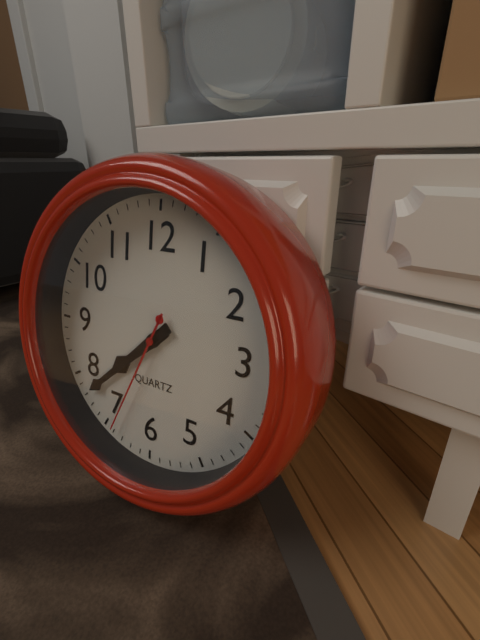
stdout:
{"hour": 7, "minute": 38, "second": 34}
